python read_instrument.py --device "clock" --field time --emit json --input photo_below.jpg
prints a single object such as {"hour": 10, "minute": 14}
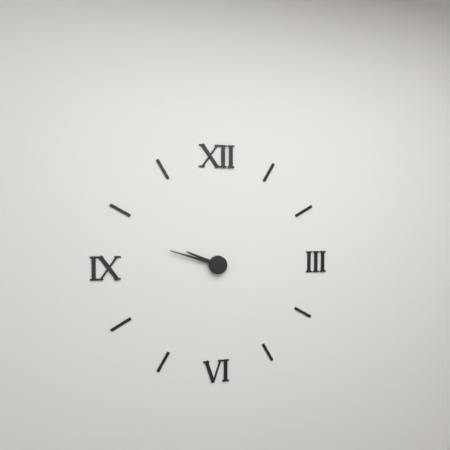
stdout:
{"hour": 9, "minute": 48}
